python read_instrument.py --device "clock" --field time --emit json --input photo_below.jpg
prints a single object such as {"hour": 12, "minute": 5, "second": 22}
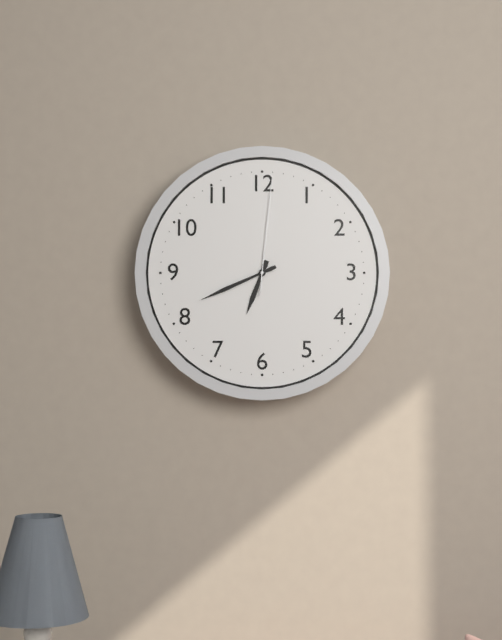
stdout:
{"hour": 6, "minute": 41, "second": 1}
